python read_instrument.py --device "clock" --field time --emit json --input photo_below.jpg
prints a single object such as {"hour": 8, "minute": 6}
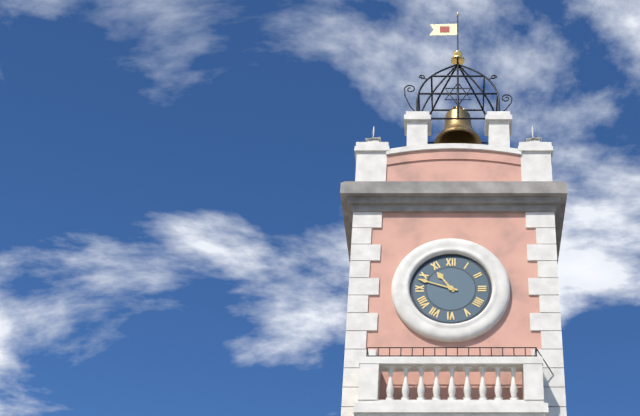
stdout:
{"hour": 10, "minute": 48}
